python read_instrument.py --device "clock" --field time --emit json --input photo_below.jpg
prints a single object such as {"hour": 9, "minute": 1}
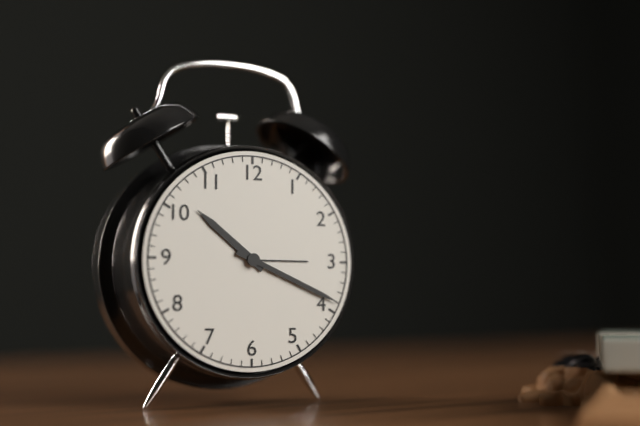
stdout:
{"hour": 10, "minute": 19}
